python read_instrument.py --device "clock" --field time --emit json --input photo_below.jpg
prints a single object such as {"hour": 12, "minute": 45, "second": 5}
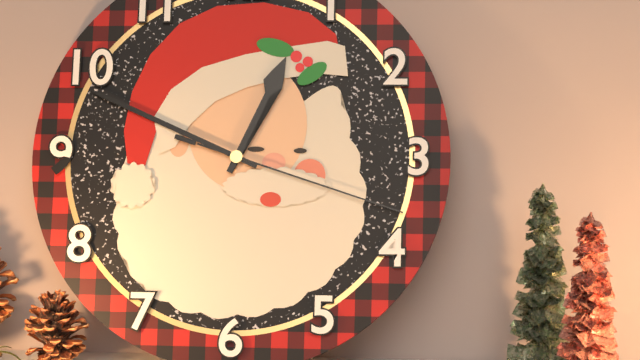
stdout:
{"hour": 12, "minute": 49, "second": 18}
